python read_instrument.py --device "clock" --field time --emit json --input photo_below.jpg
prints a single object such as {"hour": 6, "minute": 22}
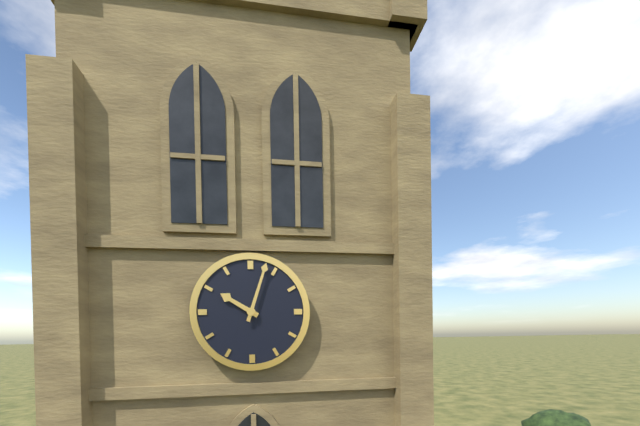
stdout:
{"hour": 10, "minute": 3}
